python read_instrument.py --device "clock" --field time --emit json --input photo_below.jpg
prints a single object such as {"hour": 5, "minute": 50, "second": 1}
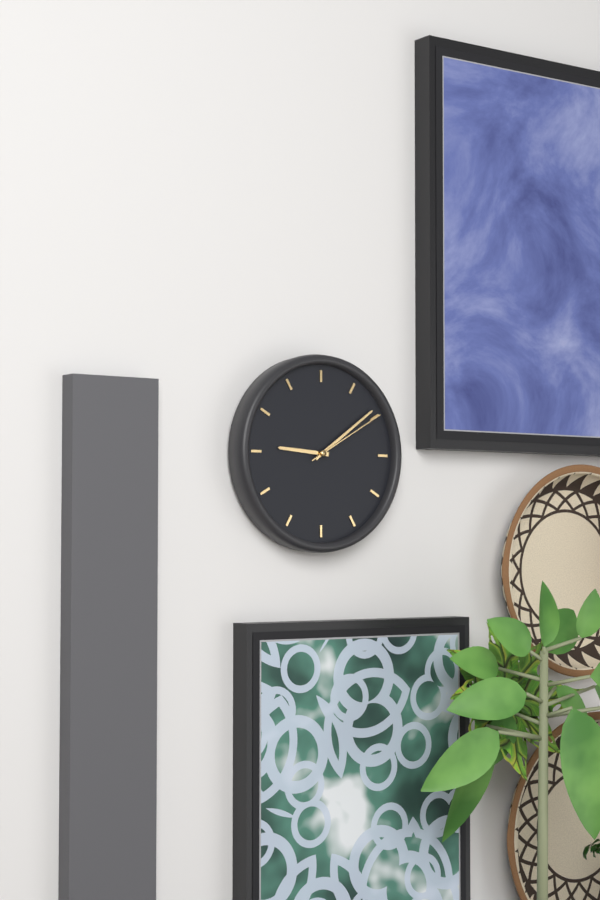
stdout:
{"hour": 9, "minute": 9, "second": 10}
